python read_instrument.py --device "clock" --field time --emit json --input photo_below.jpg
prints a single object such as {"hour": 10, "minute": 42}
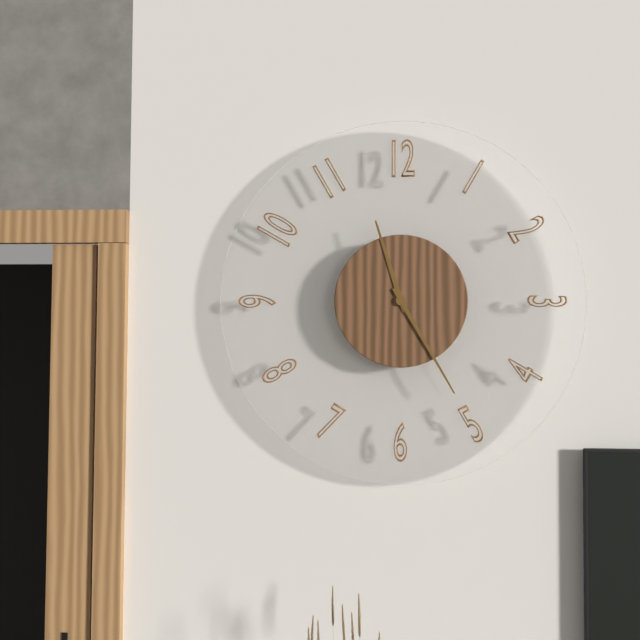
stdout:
{"hour": 11, "minute": 25}
